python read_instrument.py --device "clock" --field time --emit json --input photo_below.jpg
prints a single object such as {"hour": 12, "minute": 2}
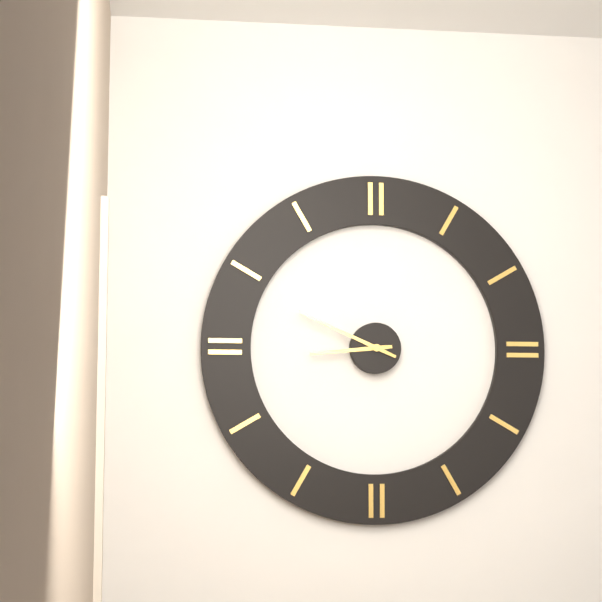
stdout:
{"hour": 8, "minute": 49}
